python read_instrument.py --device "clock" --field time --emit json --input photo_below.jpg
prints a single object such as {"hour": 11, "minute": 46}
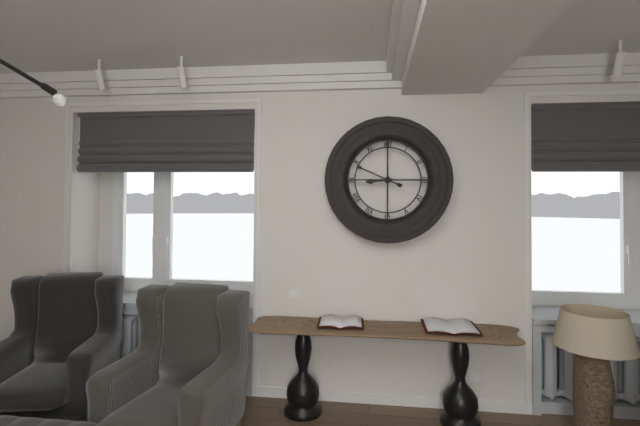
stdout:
{"hour": 8, "minute": 49}
